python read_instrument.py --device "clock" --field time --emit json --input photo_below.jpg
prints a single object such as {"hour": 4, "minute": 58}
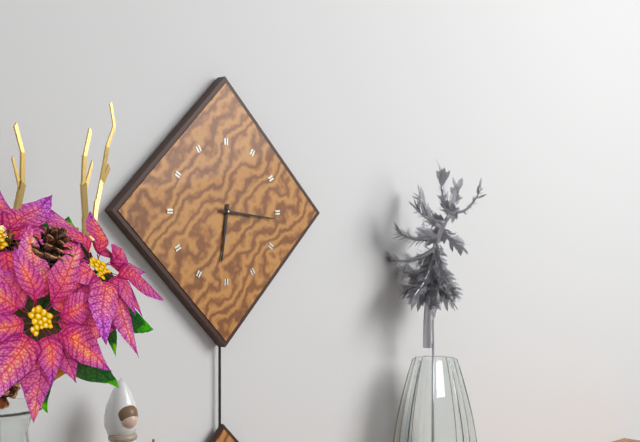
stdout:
{"hour": 6, "minute": 16}
